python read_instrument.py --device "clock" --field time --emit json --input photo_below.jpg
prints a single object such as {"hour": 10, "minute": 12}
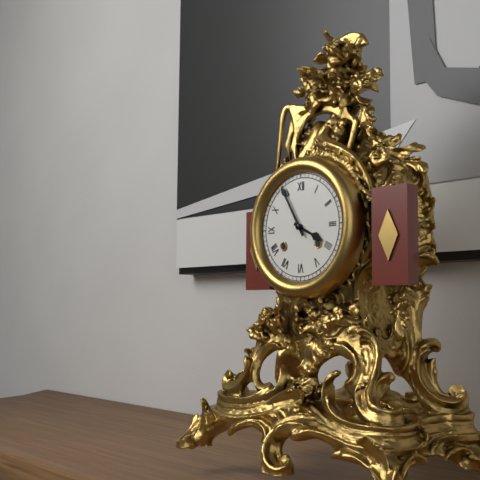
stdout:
{"hour": 3, "minute": 55}
